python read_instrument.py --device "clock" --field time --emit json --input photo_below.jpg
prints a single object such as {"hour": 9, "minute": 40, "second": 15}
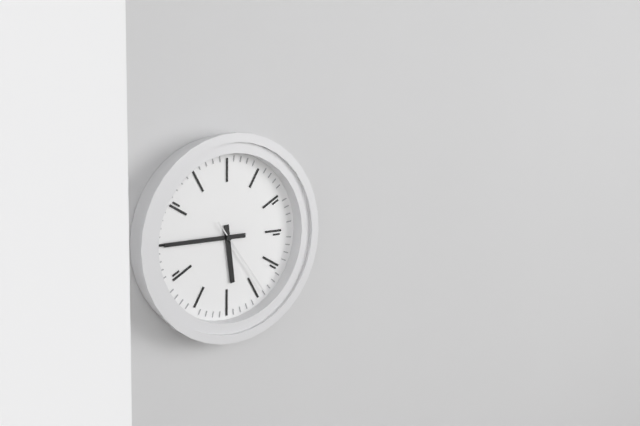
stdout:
{"hour": 5, "minute": 45, "second": 24}
